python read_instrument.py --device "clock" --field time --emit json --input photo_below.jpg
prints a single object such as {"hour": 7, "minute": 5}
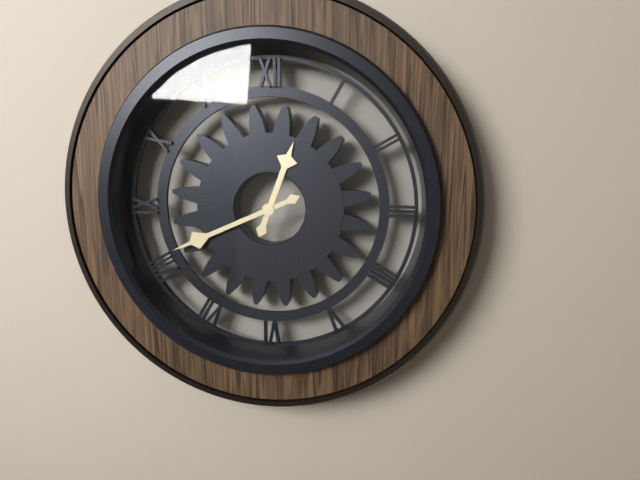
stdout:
{"hour": 12, "minute": 41}
